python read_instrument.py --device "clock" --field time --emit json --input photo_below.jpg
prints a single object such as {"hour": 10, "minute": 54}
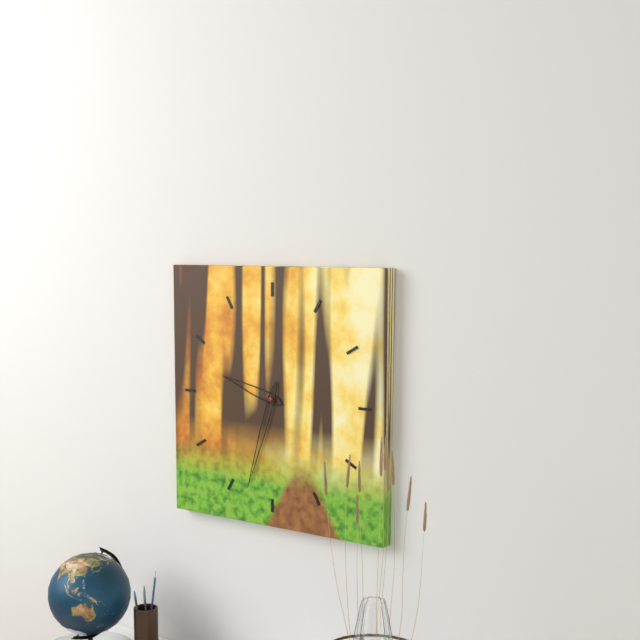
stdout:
{"hour": 9, "minute": 33}
